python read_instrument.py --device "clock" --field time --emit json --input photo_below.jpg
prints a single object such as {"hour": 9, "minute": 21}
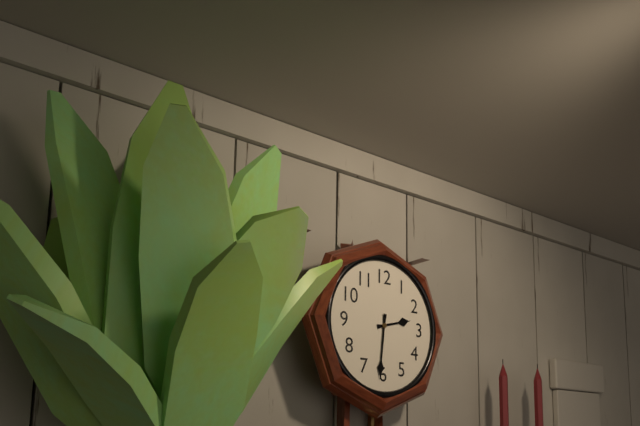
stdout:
{"hour": 2, "minute": 31}
